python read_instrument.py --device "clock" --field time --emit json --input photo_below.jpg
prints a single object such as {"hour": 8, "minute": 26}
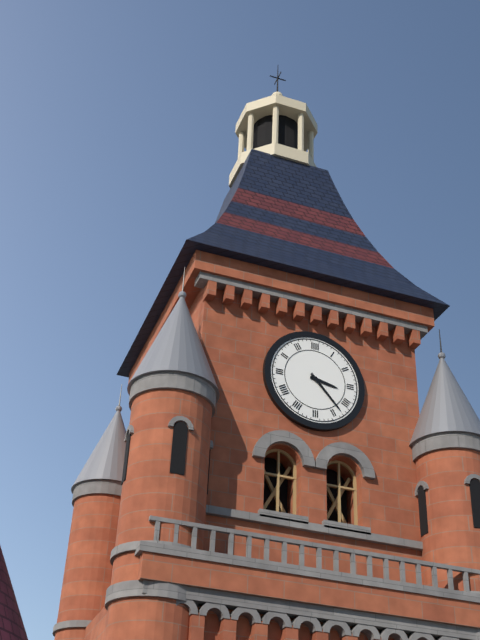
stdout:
{"hour": 3, "minute": 23}
